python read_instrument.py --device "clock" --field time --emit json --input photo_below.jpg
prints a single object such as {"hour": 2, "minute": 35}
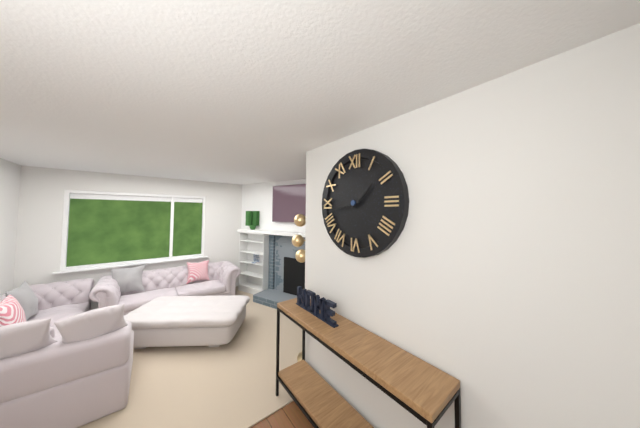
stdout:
{"hour": 1, "minute": 43}
